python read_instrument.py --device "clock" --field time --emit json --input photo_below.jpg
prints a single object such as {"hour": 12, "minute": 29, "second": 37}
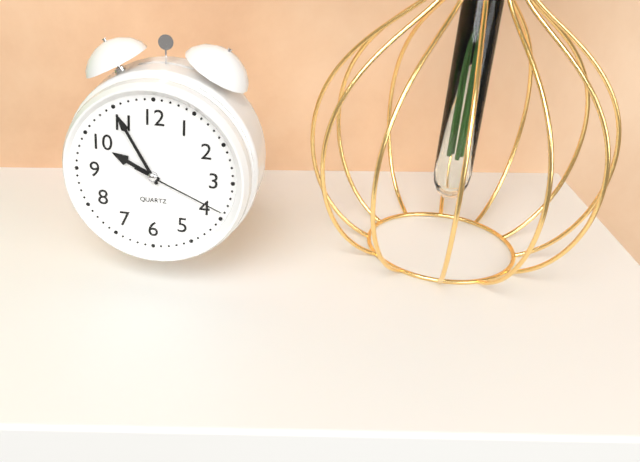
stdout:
{"hour": 9, "minute": 55, "second": 19}
